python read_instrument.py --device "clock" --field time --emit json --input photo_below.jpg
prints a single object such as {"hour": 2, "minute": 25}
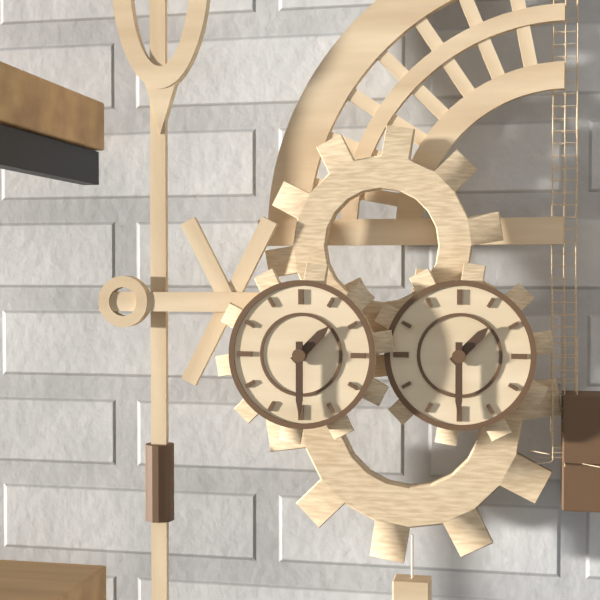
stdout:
{"hour": 1, "minute": 30}
